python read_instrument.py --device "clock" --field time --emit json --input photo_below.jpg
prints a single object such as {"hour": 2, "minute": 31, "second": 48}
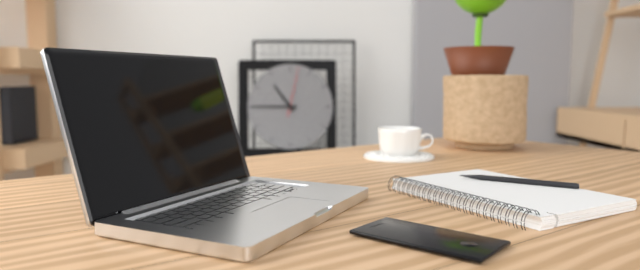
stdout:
{"hour": 10, "minute": 45, "second": 2}
